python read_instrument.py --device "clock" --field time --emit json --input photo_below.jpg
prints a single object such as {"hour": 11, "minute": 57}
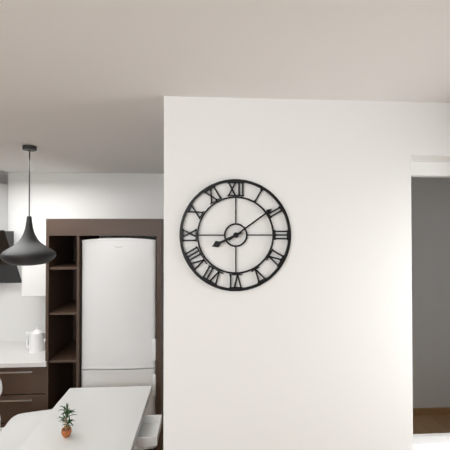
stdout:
{"hour": 8, "minute": 9}
